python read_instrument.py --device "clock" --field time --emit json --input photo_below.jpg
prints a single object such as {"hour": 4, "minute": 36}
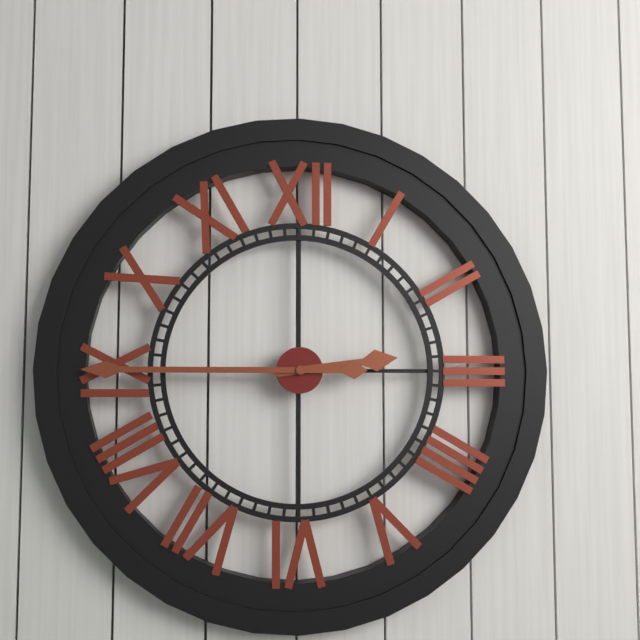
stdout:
{"hour": 2, "minute": 45}
